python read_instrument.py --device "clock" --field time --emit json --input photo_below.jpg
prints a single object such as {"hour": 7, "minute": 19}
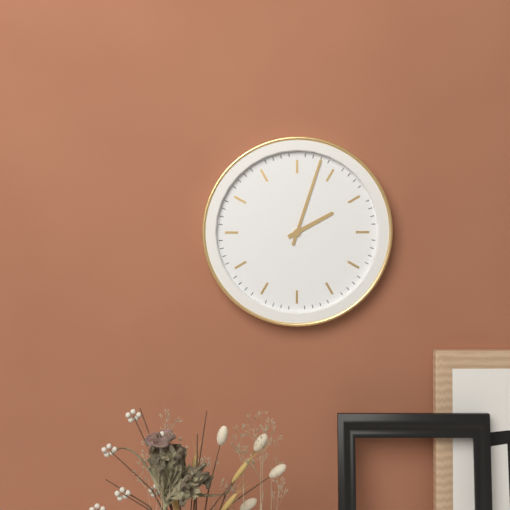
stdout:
{"hour": 2, "minute": 3}
